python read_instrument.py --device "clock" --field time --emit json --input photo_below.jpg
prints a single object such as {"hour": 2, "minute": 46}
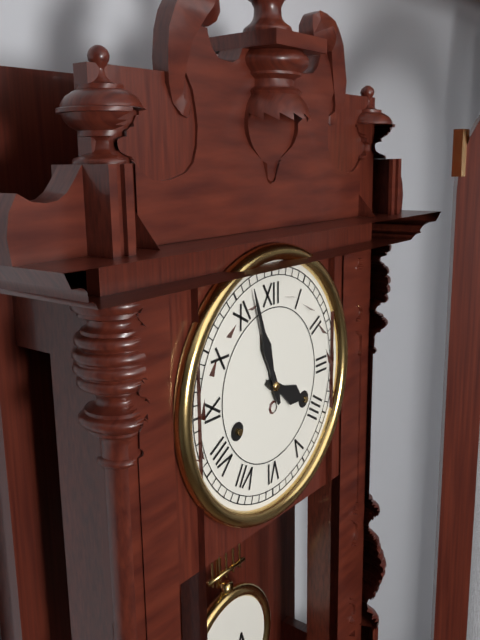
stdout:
{"hour": 3, "minute": 57}
